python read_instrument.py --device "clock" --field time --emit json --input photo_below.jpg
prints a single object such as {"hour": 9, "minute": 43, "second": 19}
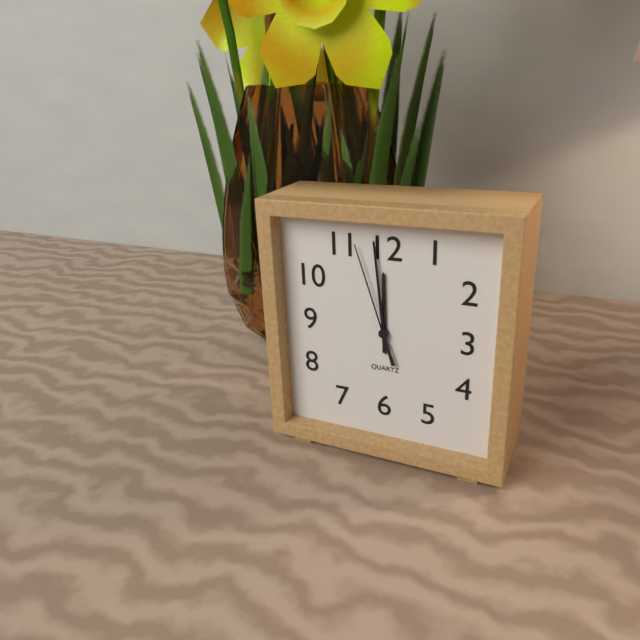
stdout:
{"hour": 11, "minute": 59, "second": 57}
